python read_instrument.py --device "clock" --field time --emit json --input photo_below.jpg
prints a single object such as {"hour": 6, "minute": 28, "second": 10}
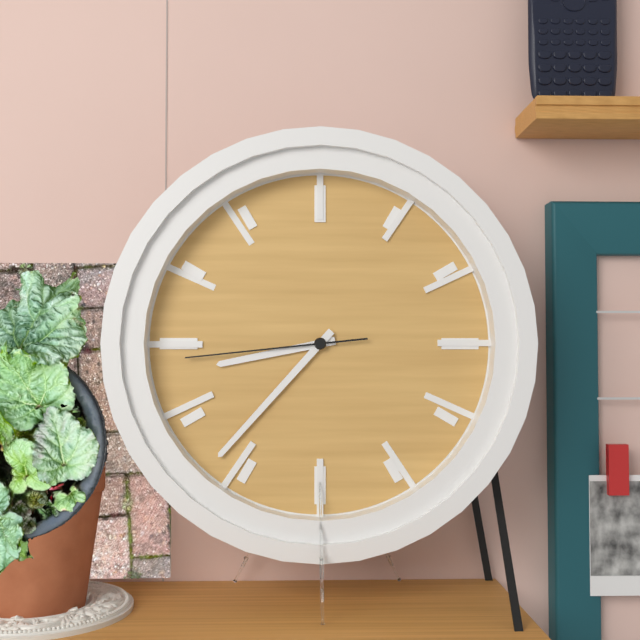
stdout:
{"hour": 8, "minute": 37, "second": 44}
